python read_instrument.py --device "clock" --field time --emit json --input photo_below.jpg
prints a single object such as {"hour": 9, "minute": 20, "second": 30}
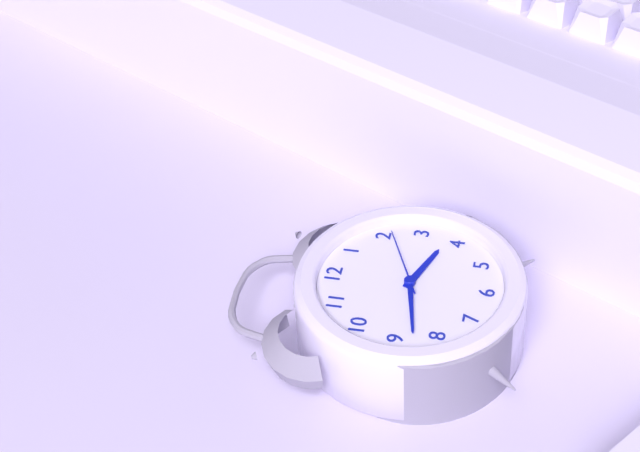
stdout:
{"hour": 3, "minute": 43, "second": 11}
